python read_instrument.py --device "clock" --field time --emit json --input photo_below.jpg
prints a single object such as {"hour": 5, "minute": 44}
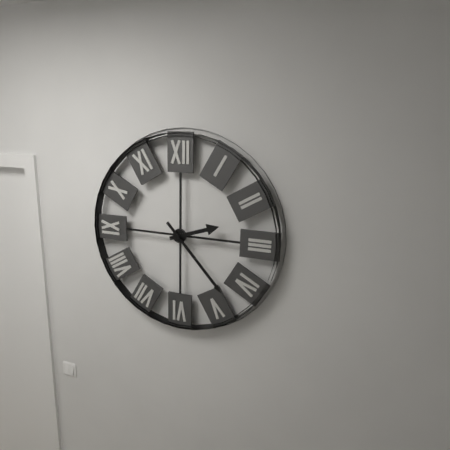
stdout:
{"hour": 2, "minute": 23}
